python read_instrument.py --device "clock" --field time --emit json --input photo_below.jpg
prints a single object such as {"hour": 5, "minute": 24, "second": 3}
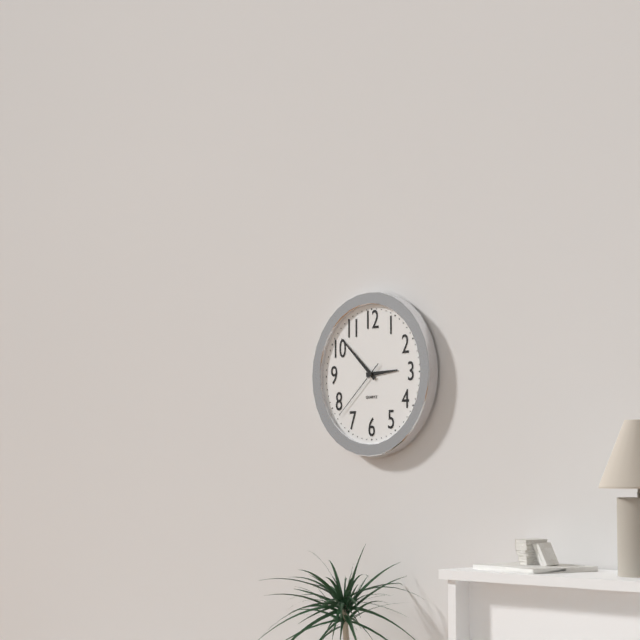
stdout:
{"hour": 2, "minute": 52, "second": 38}
